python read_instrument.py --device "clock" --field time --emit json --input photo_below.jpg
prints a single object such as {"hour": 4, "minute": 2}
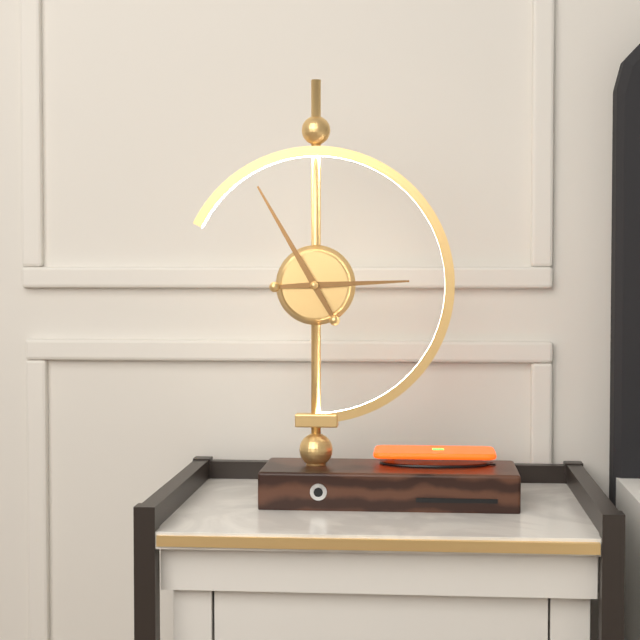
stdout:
{"hour": 2, "minute": 55}
